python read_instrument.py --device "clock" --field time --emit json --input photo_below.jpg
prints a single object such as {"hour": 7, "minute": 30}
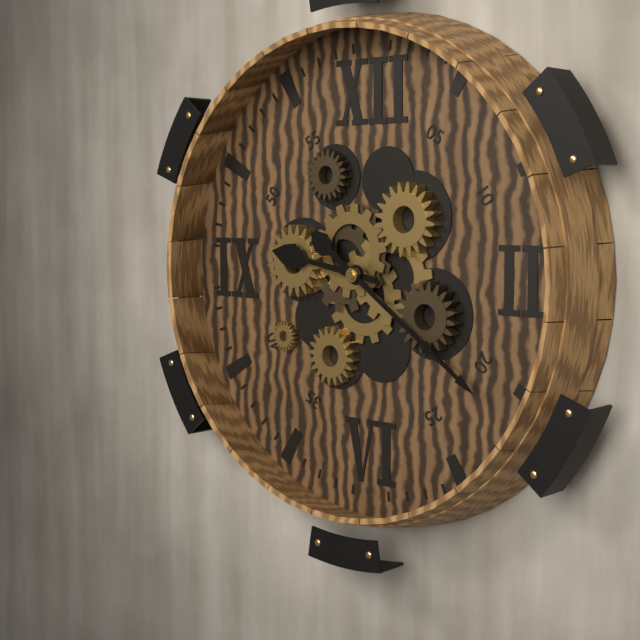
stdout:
{"hour": 9, "minute": 21}
